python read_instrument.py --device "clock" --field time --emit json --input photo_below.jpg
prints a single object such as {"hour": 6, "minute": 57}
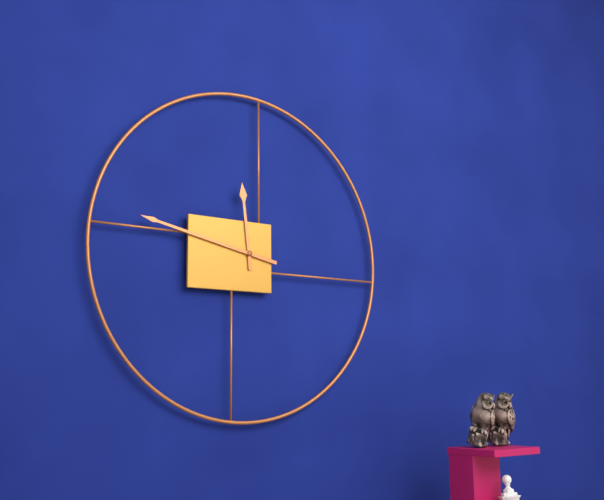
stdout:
{"hour": 11, "minute": 47}
